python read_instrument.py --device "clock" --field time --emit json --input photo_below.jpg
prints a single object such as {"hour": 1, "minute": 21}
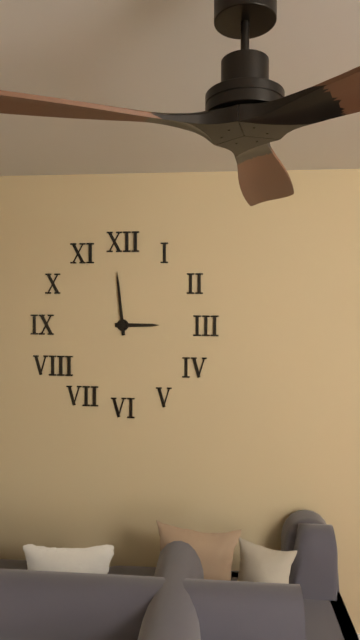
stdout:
{"hour": 2, "minute": 59}
